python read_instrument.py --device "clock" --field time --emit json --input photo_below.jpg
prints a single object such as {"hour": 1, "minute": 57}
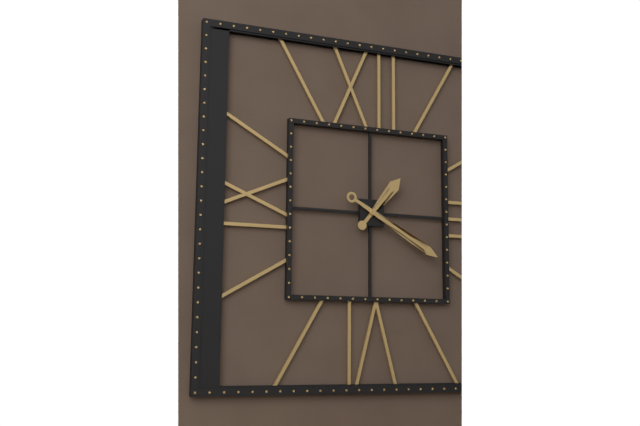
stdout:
{"hour": 1, "minute": 20}
